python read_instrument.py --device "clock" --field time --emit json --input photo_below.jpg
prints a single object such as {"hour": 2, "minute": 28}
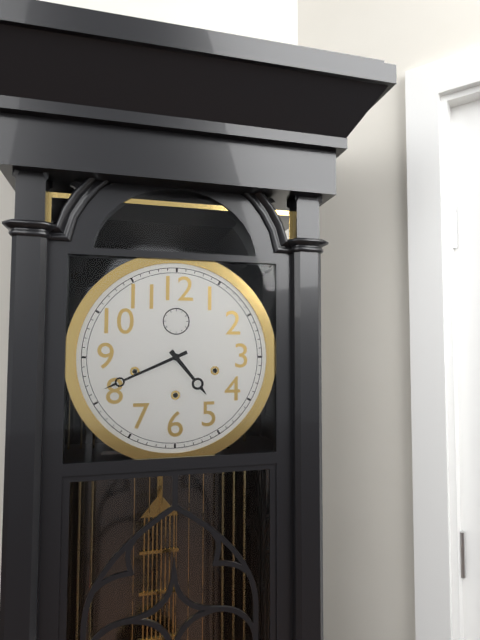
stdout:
{"hour": 4, "minute": 41}
